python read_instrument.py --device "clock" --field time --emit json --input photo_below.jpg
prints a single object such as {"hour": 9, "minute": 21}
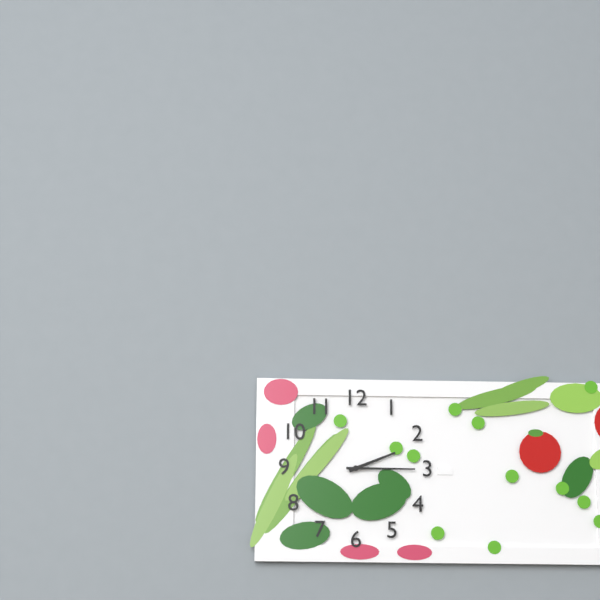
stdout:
{"hour": 2, "minute": 15}
